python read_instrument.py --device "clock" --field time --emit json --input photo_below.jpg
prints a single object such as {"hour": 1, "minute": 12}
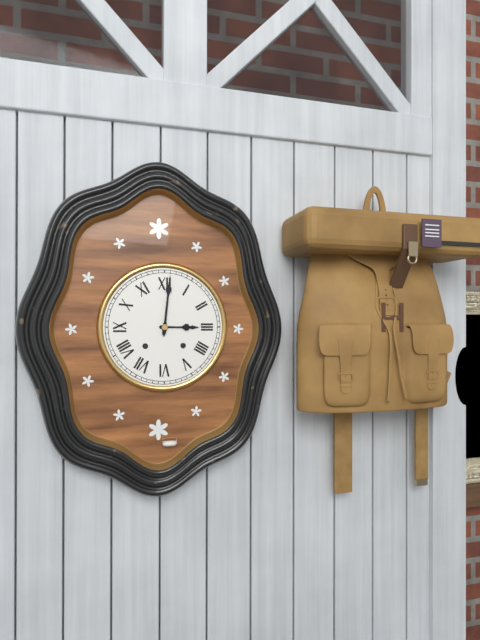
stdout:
{"hour": 3, "minute": 1}
